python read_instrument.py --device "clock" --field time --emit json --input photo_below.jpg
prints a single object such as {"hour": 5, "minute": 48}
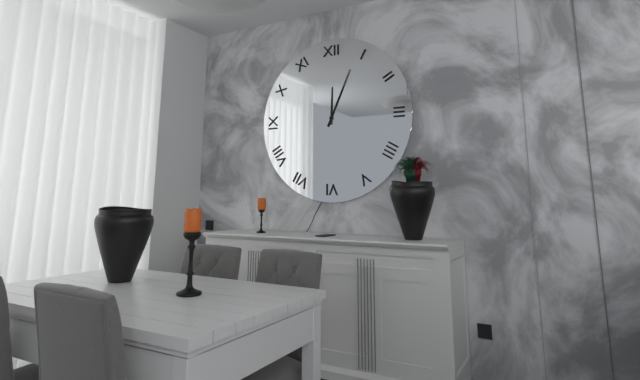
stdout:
{"hour": 12, "minute": 4}
